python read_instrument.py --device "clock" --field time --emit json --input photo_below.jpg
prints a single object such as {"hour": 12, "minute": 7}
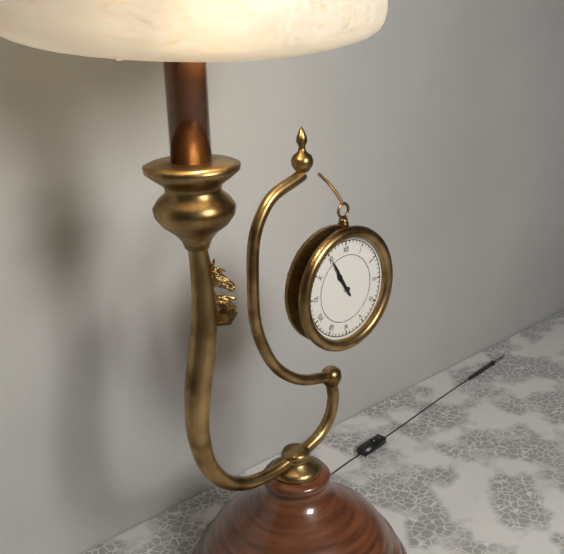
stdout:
{"hour": 10, "minute": 55}
